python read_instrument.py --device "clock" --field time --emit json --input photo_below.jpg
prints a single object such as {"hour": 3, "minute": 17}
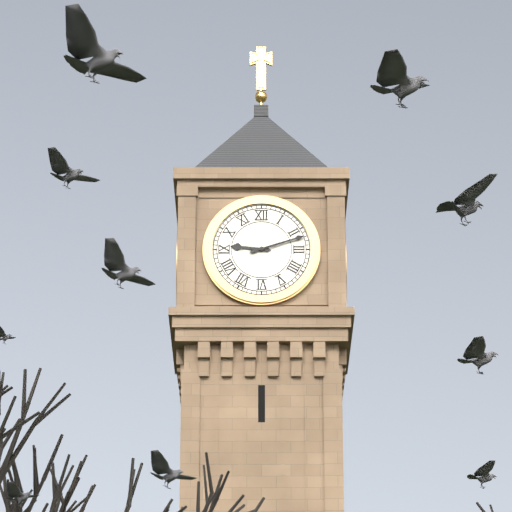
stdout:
{"hour": 9, "minute": 12}
